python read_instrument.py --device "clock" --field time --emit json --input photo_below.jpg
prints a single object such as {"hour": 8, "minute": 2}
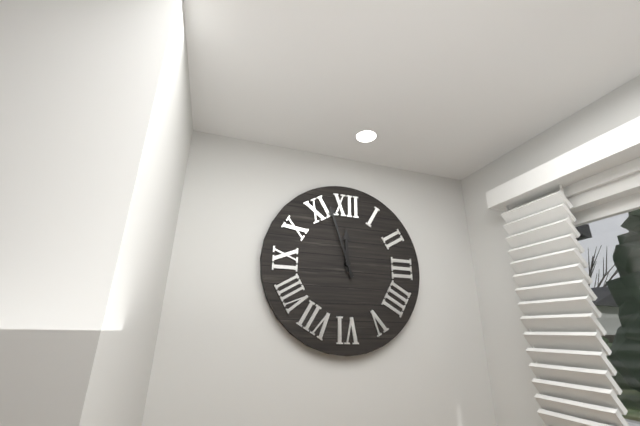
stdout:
{"hour": 11, "minute": 57}
